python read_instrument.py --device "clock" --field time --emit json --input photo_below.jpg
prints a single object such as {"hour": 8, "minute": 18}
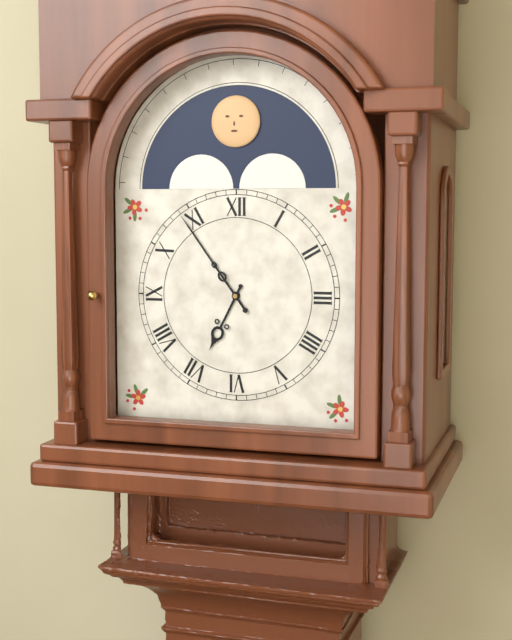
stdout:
{"hour": 6, "minute": 54}
